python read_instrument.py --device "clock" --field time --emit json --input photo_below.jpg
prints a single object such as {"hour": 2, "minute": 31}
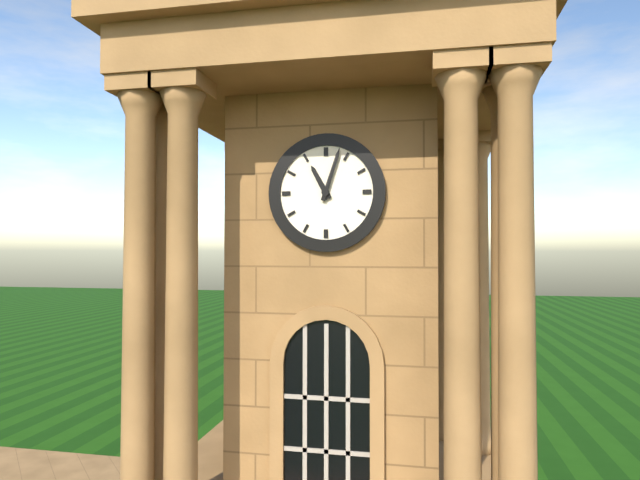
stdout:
{"hour": 11, "minute": 3}
